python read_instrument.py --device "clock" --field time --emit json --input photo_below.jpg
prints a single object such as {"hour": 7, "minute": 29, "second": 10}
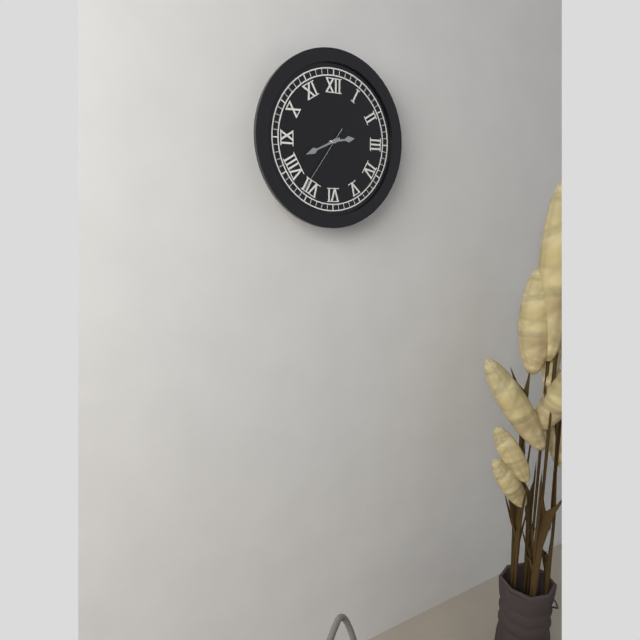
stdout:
{"hour": 2, "minute": 41, "second": 36}
